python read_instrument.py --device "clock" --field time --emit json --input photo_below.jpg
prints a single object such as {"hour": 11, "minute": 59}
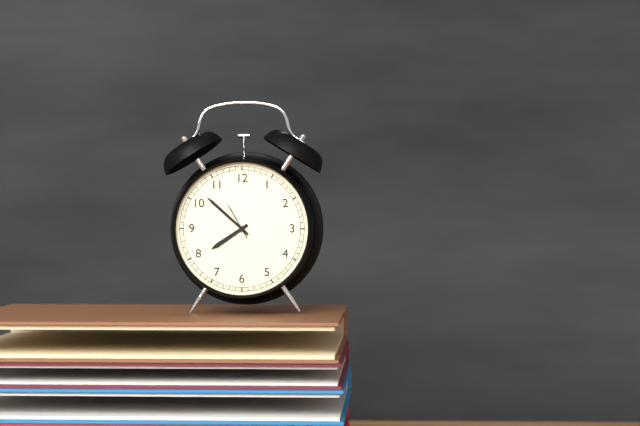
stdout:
{"hour": 7, "minute": 52}
